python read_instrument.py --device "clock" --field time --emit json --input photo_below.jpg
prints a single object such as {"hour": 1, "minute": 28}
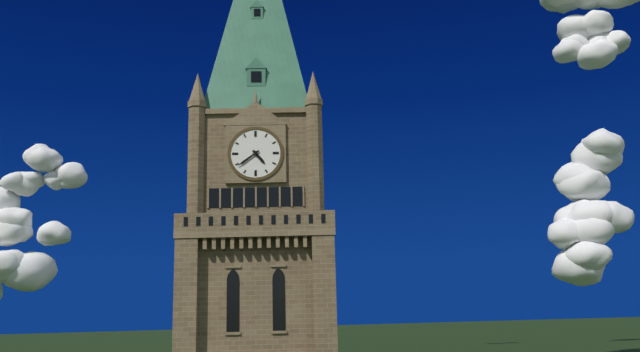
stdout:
{"hour": 4, "minute": 39}
